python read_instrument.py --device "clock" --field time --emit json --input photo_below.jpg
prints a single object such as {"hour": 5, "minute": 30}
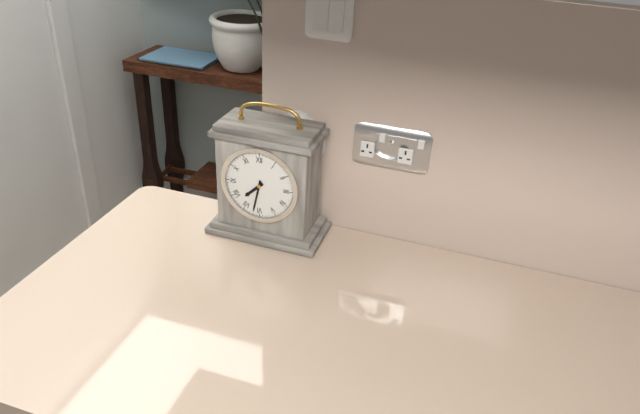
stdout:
{"hour": 7, "minute": 32}
